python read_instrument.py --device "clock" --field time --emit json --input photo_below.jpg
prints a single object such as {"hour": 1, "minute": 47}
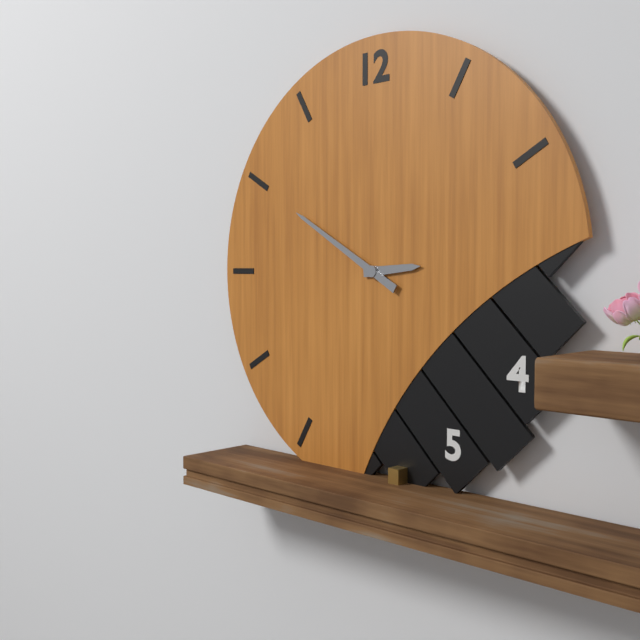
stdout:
{"hour": 2, "minute": 50}
